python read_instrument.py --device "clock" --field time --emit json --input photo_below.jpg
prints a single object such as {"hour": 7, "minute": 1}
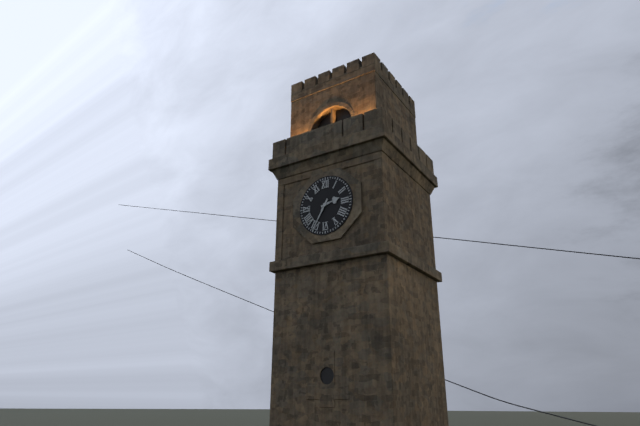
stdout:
{"hour": 2, "minute": 35}
